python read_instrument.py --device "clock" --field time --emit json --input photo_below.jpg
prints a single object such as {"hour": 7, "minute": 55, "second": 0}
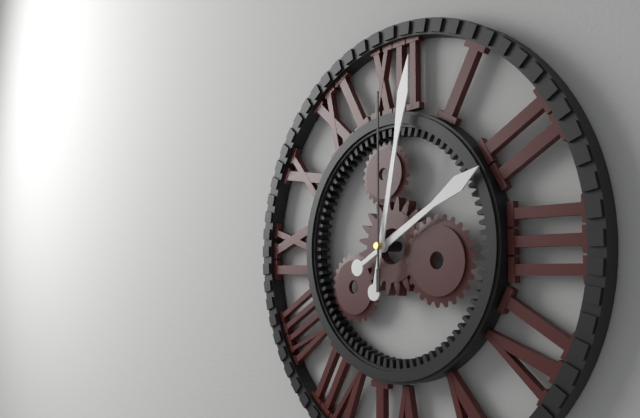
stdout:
{"hour": 2, "minute": 2, "second": 0}
